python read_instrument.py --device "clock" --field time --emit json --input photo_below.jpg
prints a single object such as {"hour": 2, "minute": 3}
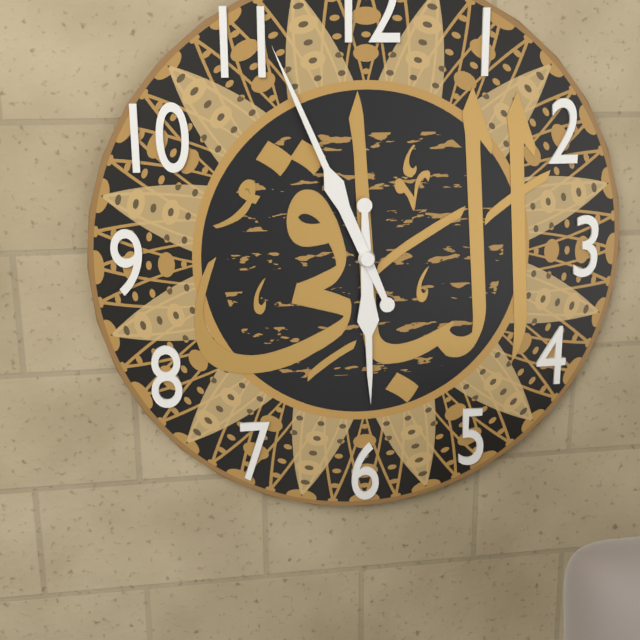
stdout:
{"hour": 5, "minute": 56}
